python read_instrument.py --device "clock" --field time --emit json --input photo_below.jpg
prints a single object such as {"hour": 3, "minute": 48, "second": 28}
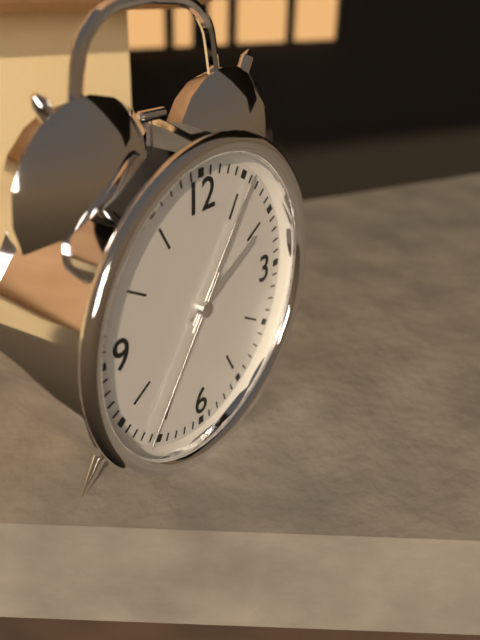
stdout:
{"hour": 2, "minute": 6, "second": 36}
